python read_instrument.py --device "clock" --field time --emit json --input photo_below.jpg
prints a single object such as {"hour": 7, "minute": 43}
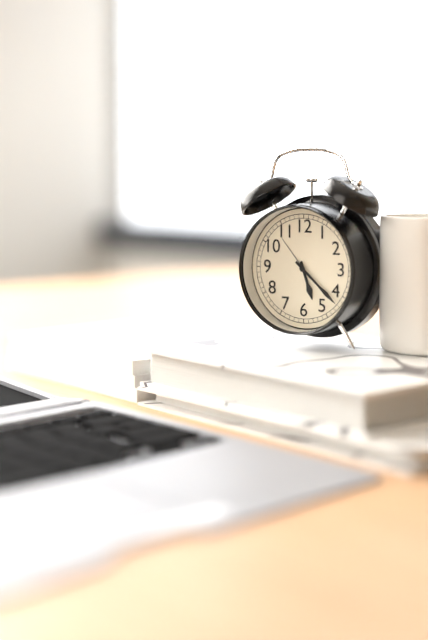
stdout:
{"hour": 5, "minute": 22}
